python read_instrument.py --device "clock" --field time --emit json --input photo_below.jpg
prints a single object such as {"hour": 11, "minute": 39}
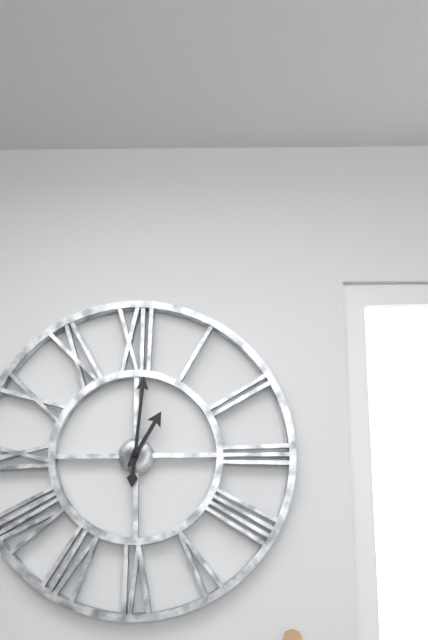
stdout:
{"hour": 1, "minute": 1}
